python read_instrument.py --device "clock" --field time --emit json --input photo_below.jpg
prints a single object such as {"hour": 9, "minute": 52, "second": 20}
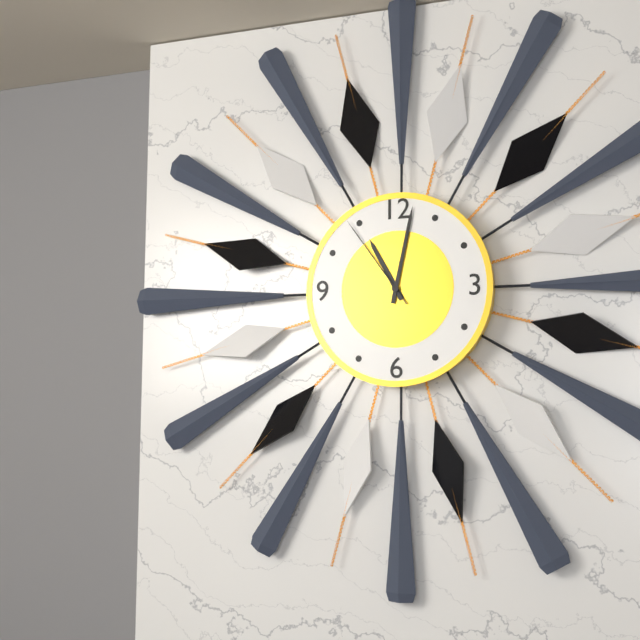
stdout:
{"hour": 11, "minute": 2, "second": 54}
